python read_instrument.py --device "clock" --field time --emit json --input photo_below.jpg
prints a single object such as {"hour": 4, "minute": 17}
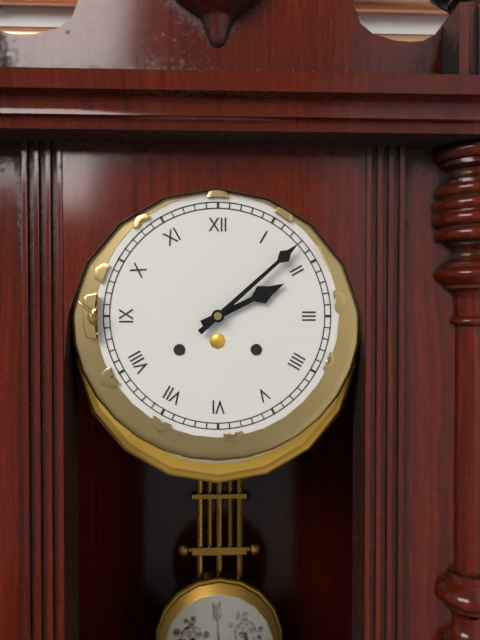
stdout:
{"hour": 2, "minute": 8}
